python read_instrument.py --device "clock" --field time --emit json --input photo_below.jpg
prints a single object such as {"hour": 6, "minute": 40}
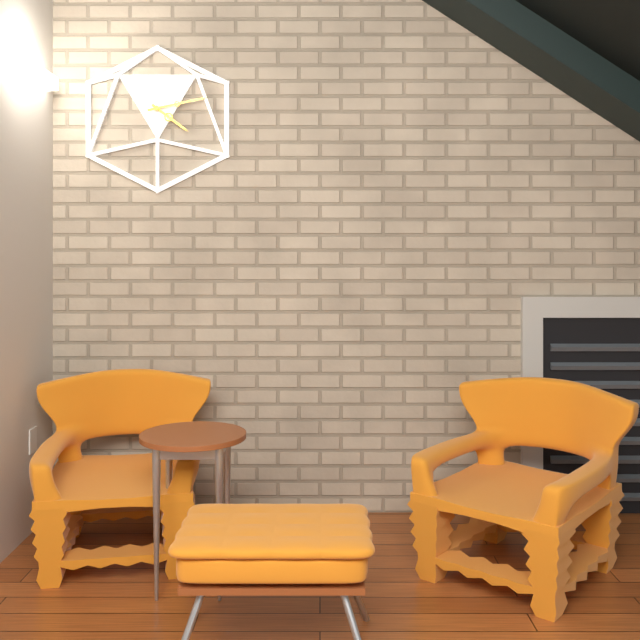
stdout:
{"hour": 4, "minute": 13}
